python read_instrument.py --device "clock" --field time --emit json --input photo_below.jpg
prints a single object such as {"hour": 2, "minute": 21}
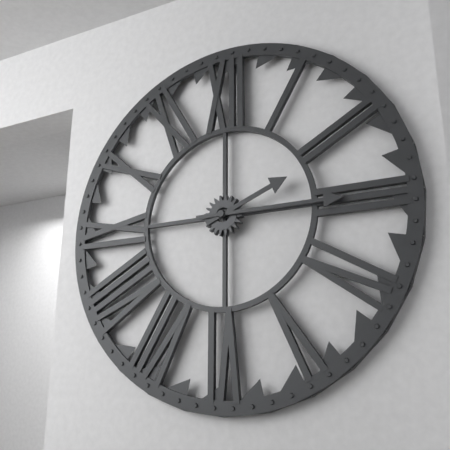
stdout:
{"hour": 2, "minute": 15}
